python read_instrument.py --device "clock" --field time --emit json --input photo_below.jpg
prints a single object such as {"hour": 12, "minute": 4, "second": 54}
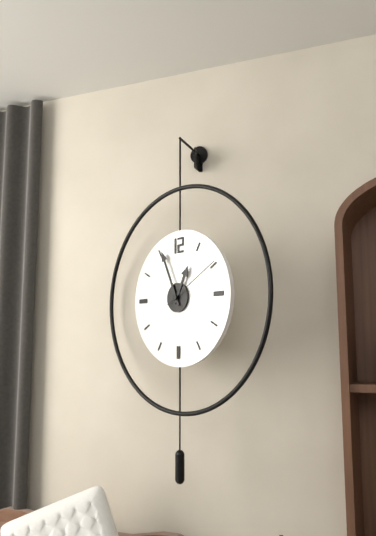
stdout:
{"hour": 12, "minute": 56, "second": 10}
